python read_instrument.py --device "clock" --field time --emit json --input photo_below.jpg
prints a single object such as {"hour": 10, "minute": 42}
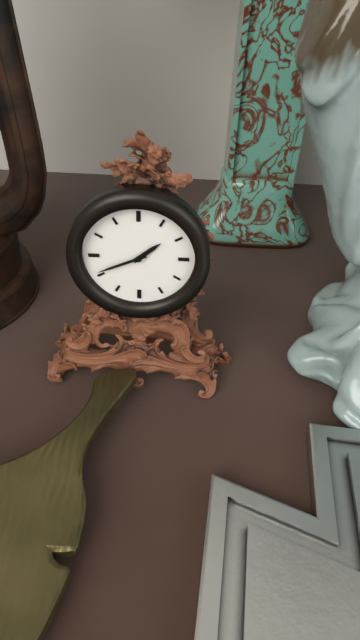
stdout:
{"hour": 1, "minute": 41}
